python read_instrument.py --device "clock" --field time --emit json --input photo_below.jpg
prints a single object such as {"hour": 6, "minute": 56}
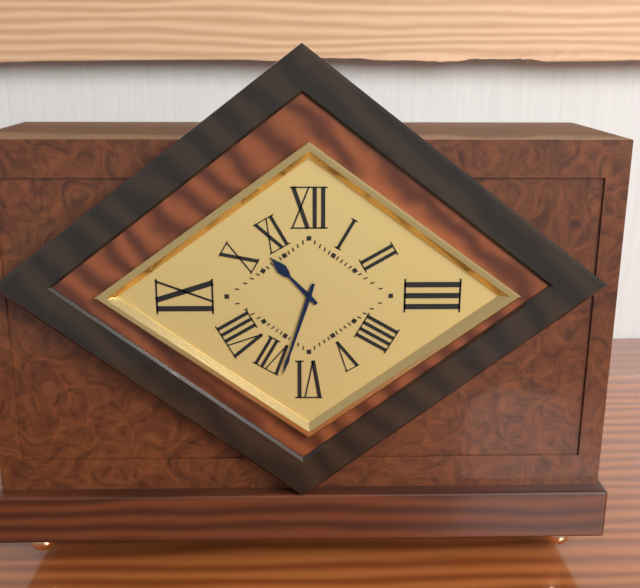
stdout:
{"hour": 10, "minute": 33}
